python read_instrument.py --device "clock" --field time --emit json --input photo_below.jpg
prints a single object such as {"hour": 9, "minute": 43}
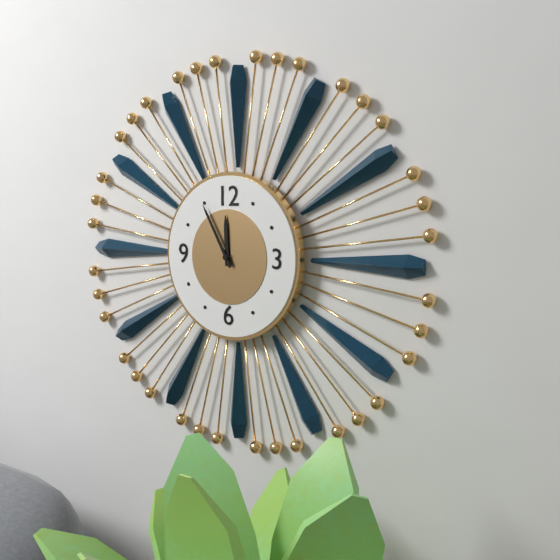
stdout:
{"hour": 11, "minute": 55}
